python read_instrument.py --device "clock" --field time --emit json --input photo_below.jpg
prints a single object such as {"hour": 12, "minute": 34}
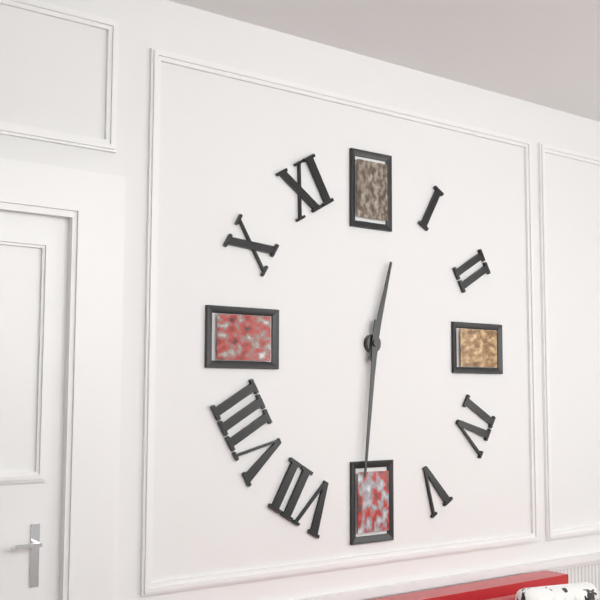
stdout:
{"hour": 12, "minute": 31}
